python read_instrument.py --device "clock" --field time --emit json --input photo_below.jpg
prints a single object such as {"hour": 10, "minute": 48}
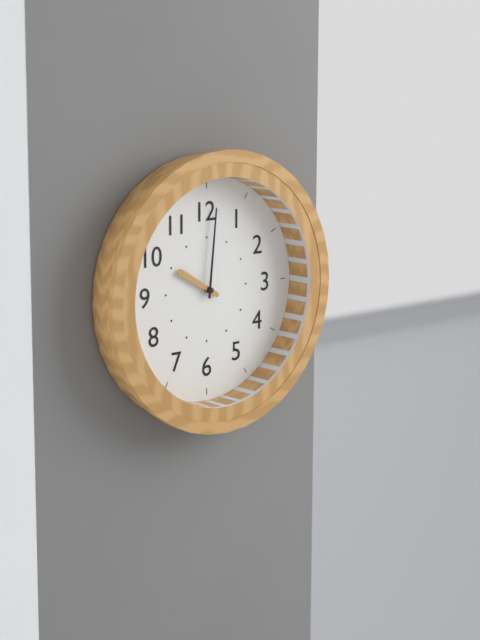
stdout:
{"hour": 10, "minute": 1}
